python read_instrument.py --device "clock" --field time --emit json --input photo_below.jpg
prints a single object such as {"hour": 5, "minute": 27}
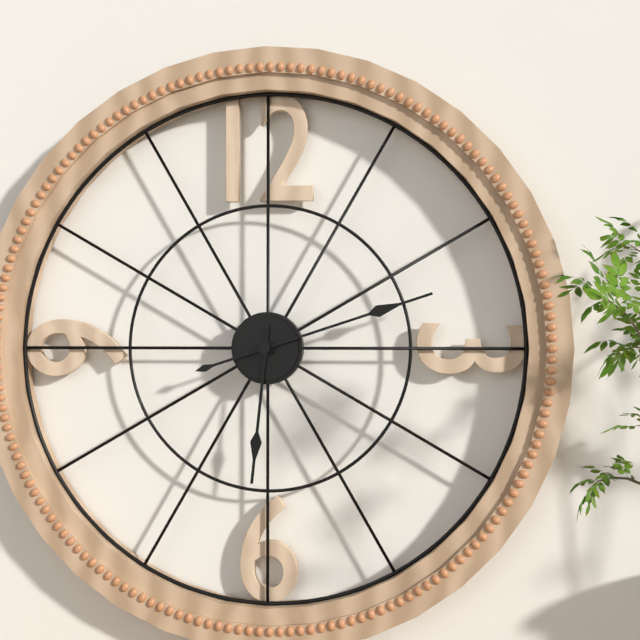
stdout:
{"hour": 6, "minute": 12}
